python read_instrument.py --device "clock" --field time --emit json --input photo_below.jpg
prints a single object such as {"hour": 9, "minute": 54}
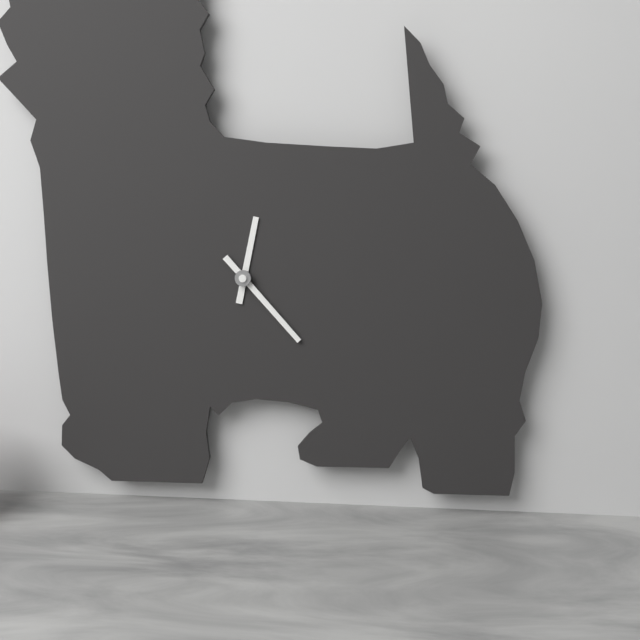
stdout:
{"hour": 12, "minute": 23}
